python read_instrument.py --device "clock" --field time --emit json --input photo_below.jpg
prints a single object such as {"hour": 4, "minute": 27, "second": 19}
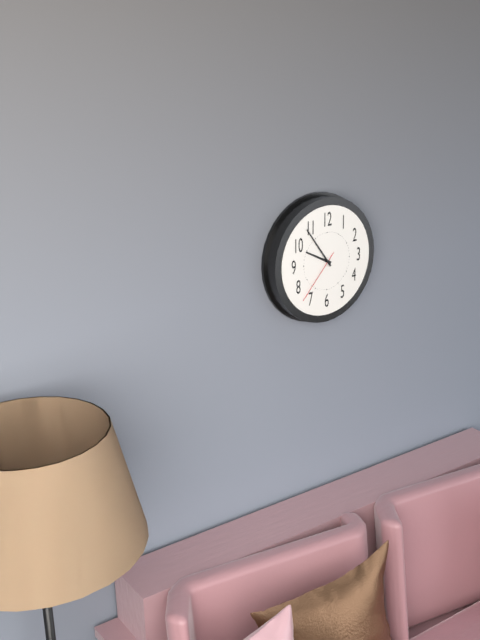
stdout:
{"hour": 9, "minute": 54, "second": 37}
